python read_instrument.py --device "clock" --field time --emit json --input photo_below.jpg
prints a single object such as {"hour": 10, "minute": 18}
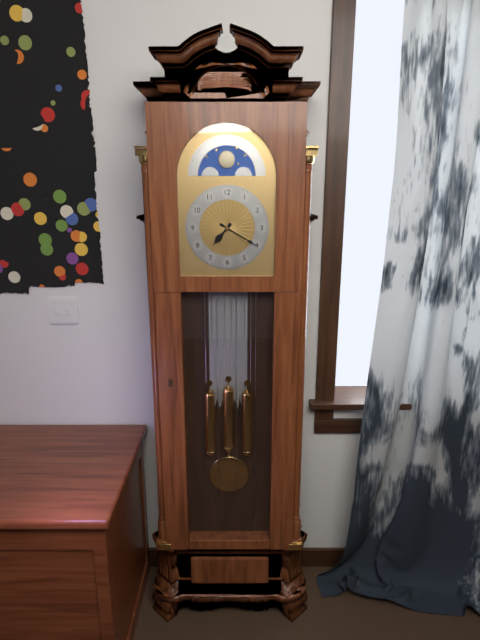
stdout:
{"hour": 7, "minute": 20}
